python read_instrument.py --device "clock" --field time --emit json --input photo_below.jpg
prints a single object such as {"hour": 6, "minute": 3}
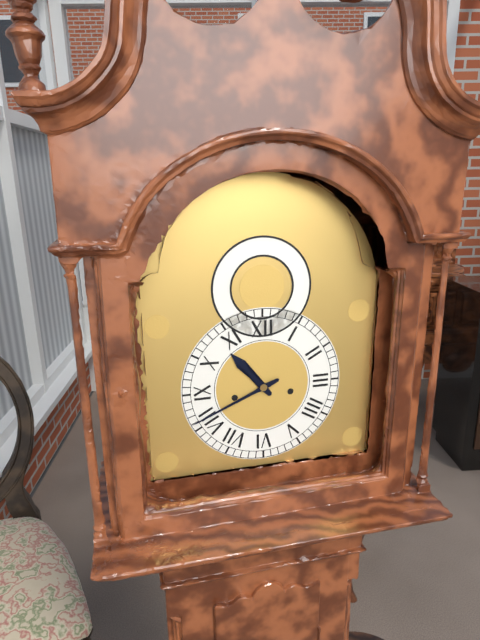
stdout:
{"hour": 10, "minute": 41}
